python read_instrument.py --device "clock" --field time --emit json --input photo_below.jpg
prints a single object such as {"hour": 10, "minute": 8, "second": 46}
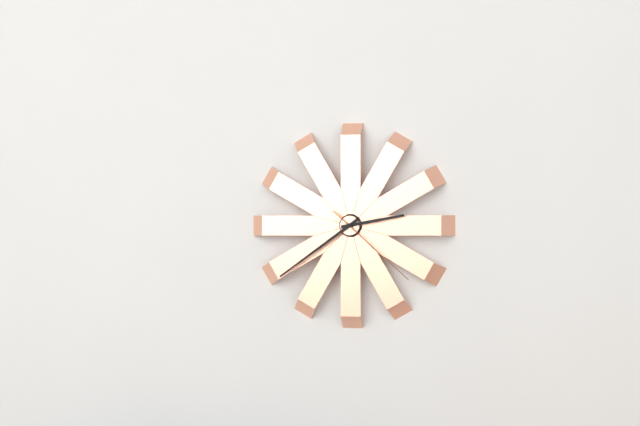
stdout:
{"hour": 2, "minute": 39, "second": 22}
